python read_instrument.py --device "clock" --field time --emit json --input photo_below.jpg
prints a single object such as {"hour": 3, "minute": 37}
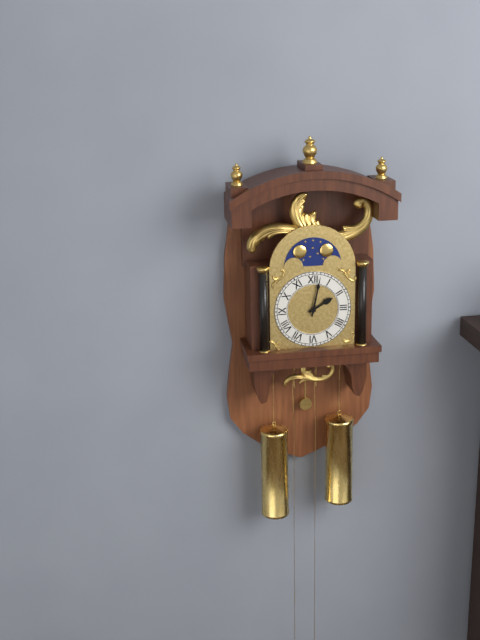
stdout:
{"hour": 2, "minute": 2}
